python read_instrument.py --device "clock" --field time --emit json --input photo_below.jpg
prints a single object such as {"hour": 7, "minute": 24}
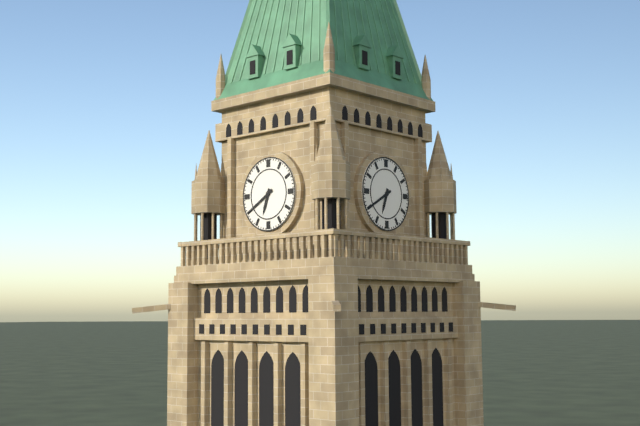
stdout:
{"hour": 6, "minute": 40}
